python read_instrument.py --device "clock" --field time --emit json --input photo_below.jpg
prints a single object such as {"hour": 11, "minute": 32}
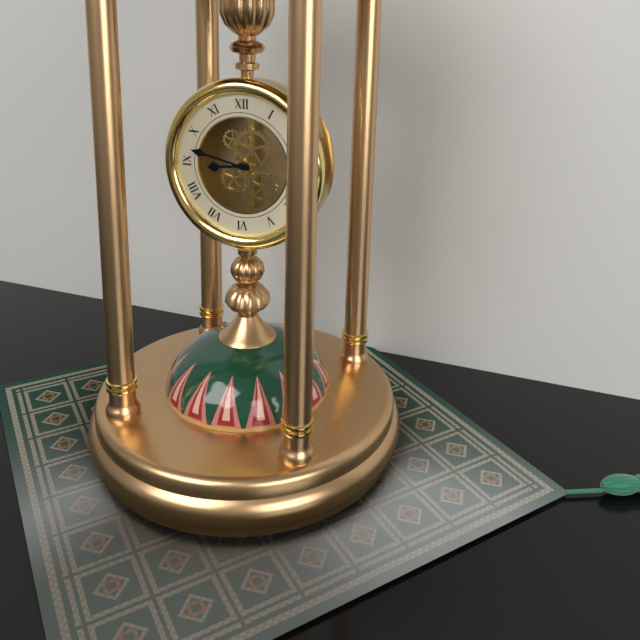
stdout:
{"hour": 8, "minute": 47}
